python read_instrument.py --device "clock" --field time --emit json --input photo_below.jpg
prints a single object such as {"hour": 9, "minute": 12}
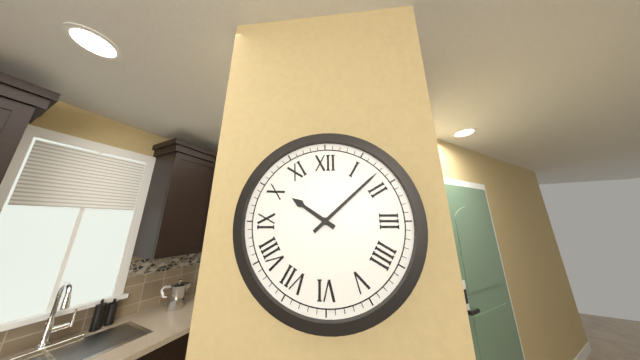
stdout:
{"hour": 10, "minute": 8}
